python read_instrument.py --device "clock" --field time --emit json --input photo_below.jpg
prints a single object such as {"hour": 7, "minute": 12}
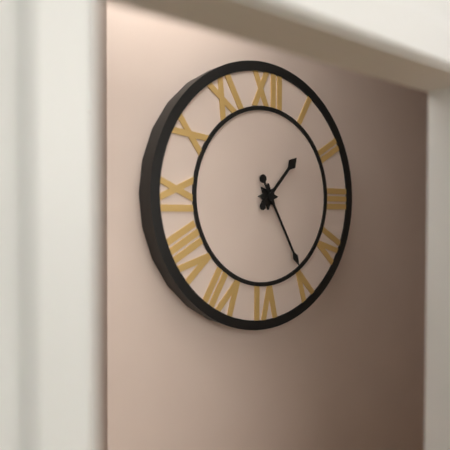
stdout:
{"hour": 1, "minute": 25}
